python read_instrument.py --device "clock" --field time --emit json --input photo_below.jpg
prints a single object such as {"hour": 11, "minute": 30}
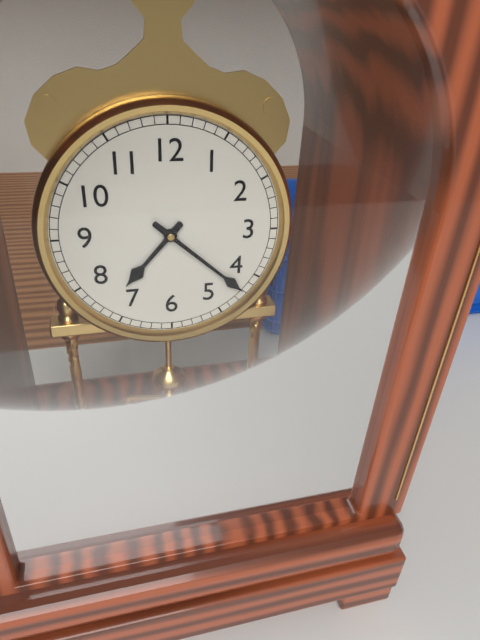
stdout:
{"hour": 7, "minute": 22}
